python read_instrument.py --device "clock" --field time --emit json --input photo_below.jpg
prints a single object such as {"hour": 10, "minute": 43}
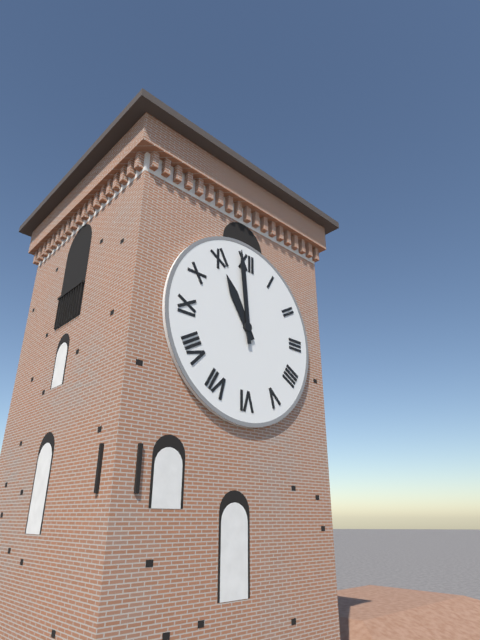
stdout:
{"hour": 10, "minute": 59}
